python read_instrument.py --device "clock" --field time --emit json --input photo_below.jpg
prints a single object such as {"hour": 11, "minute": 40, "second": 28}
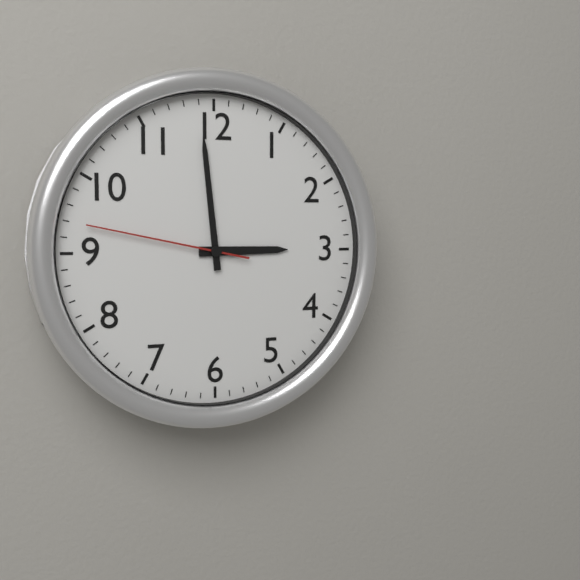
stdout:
{"hour": 2, "minute": 59, "second": 47}
